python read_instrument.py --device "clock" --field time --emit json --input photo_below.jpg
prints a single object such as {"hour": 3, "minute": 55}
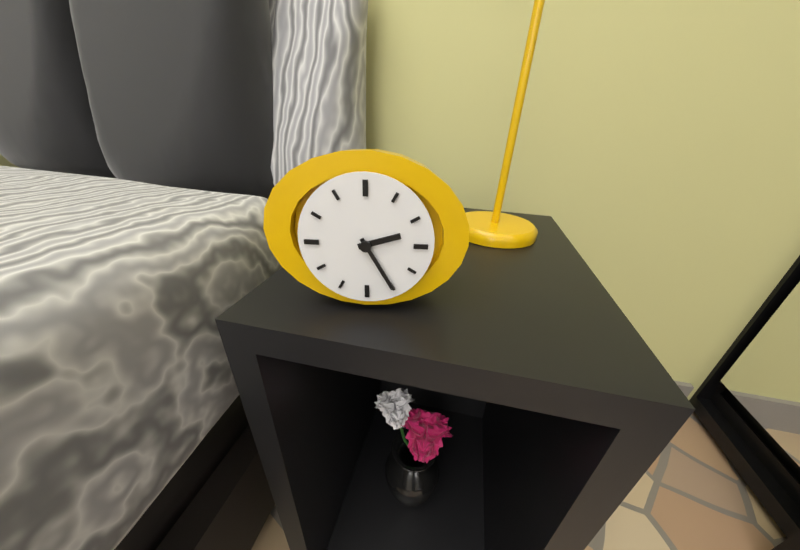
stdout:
{"hour": 2, "minute": 25}
